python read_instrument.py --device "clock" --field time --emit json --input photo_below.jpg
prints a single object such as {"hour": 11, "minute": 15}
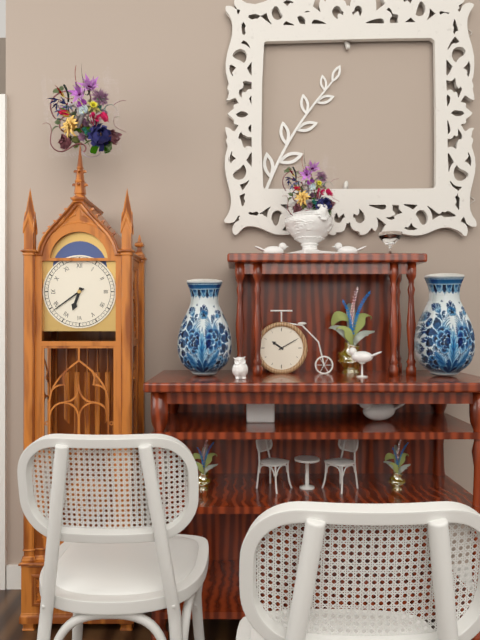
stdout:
{"hour": 6, "minute": 39}
